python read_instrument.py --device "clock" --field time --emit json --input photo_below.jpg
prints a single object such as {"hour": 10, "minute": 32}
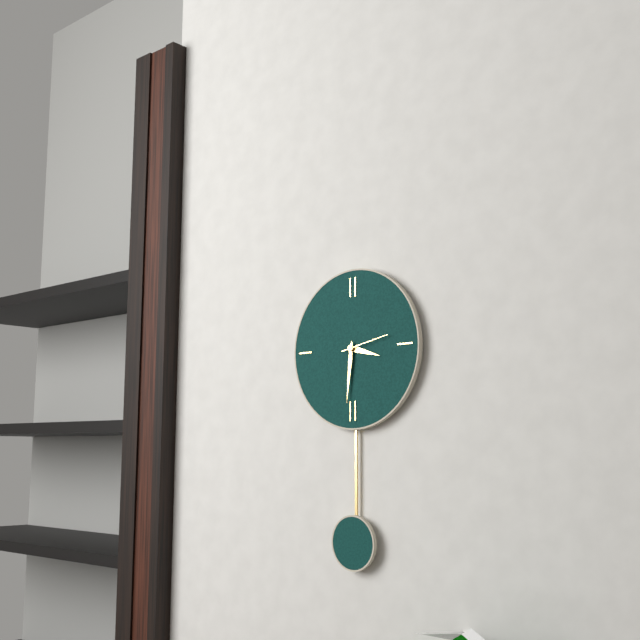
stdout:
{"hour": 3, "minute": 31}
